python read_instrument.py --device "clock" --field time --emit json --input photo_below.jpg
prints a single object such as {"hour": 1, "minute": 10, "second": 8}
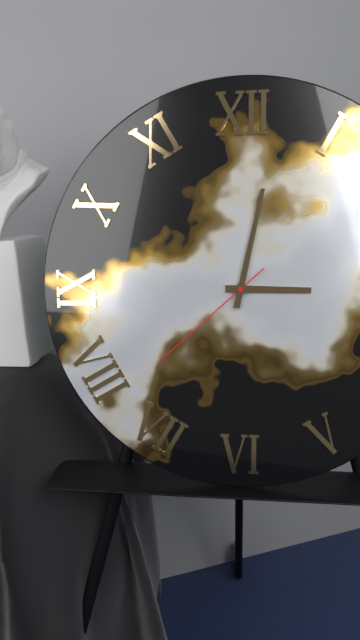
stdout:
{"hour": 3, "minute": 2, "second": 38}
